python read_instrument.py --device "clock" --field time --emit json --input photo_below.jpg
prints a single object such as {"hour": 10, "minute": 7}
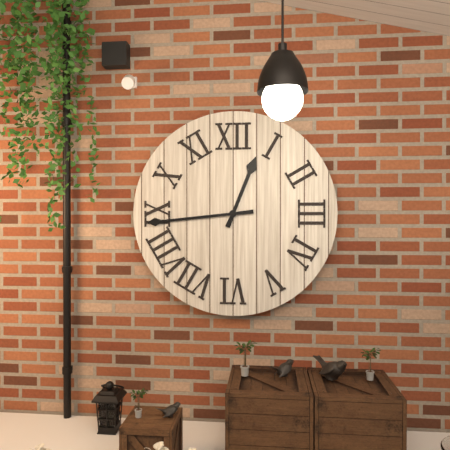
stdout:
{"hour": 12, "minute": 44}
